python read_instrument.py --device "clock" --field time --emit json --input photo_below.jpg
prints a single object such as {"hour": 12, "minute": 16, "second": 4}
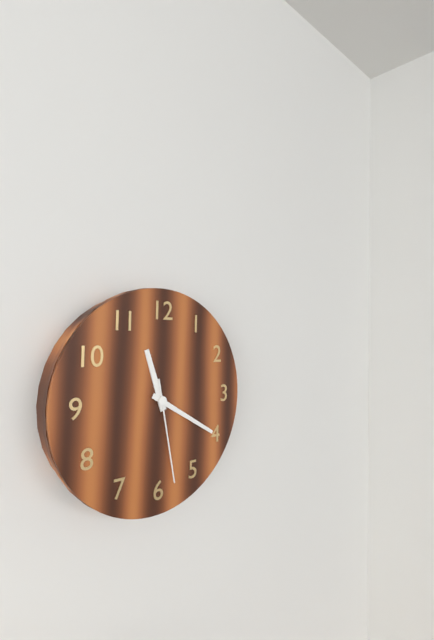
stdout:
{"hour": 11, "minute": 20, "second": 28}
